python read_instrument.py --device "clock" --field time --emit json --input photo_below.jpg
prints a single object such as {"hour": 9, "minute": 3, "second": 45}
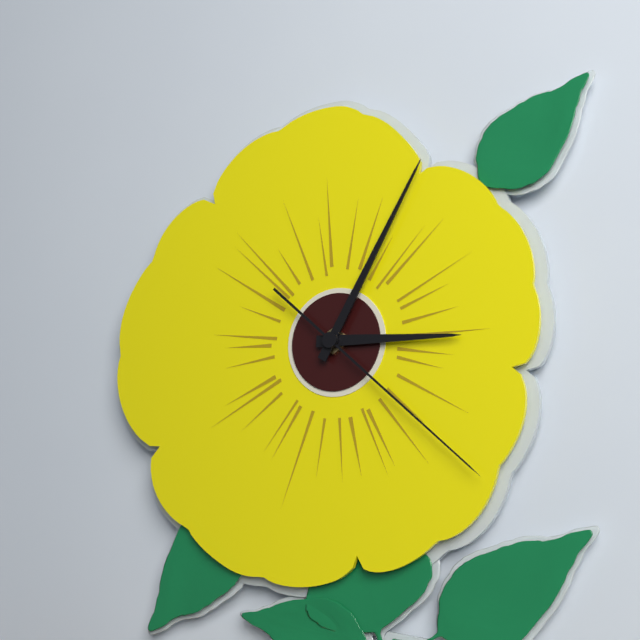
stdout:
{"hour": 3, "minute": 5, "second": 22}
